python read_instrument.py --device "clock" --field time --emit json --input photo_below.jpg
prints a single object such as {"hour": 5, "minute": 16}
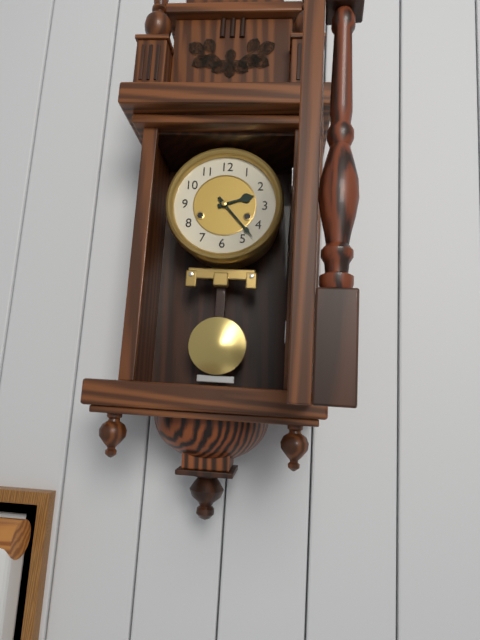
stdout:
{"hour": 2, "minute": 23}
